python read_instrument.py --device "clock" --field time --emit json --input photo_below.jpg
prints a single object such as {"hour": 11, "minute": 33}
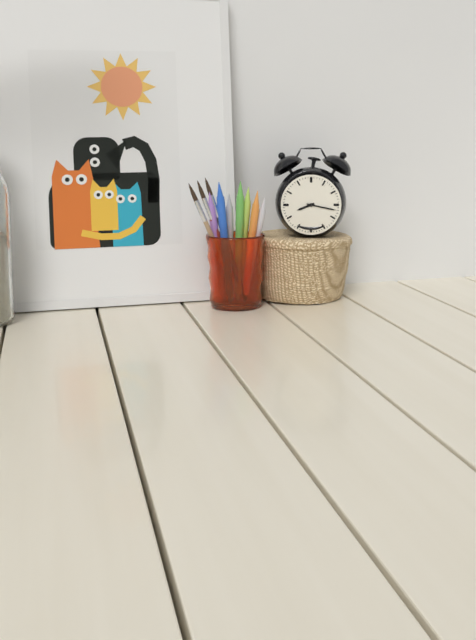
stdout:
{"hour": 8, "minute": 17}
